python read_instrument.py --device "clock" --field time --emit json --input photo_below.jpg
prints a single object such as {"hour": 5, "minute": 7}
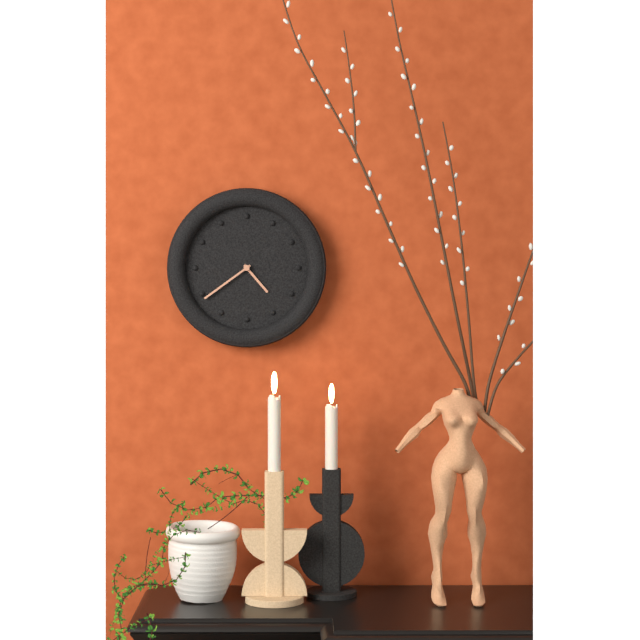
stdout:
{"hour": 4, "minute": 39}
